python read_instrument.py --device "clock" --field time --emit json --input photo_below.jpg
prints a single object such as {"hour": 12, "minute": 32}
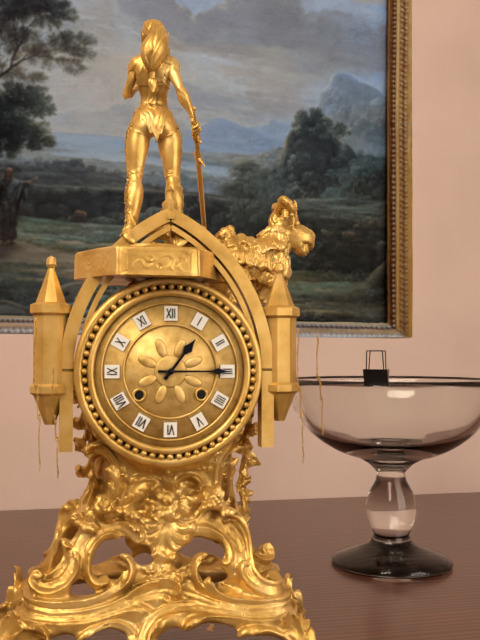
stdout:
{"hour": 1, "minute": 15}
